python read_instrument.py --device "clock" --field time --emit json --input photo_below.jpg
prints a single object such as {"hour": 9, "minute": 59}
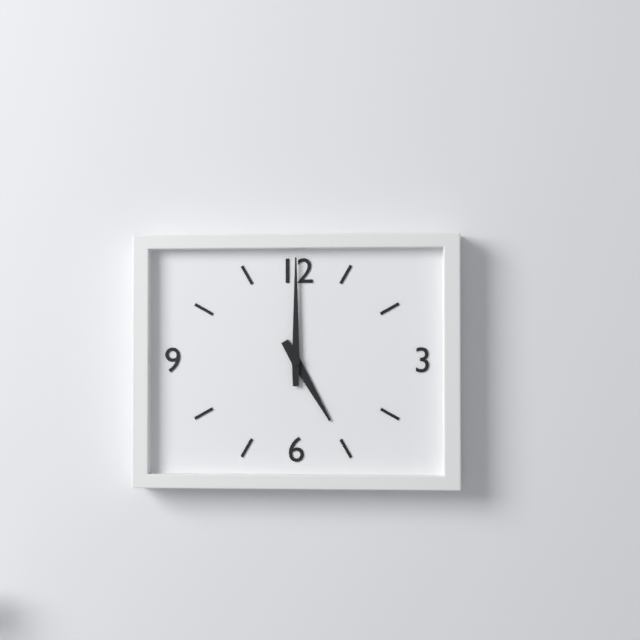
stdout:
{"hour": 5, "minute": 0}
